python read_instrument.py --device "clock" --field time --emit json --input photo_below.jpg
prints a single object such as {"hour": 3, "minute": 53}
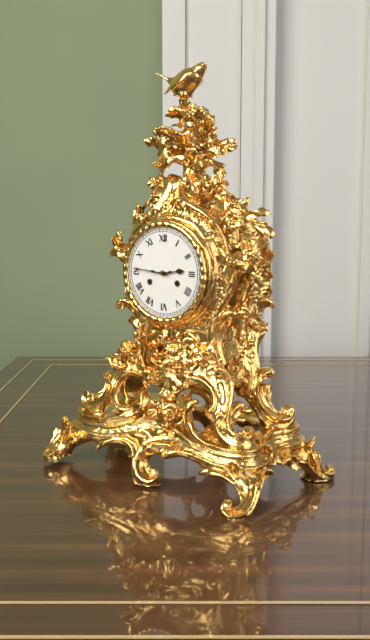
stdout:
{"hour": 2, "minute": 46}
